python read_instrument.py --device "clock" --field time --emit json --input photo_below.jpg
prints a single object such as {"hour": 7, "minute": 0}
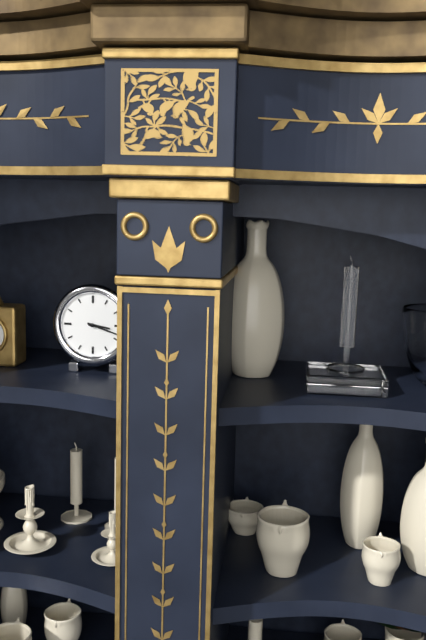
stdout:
{"hour": 3, "minute": 18}
